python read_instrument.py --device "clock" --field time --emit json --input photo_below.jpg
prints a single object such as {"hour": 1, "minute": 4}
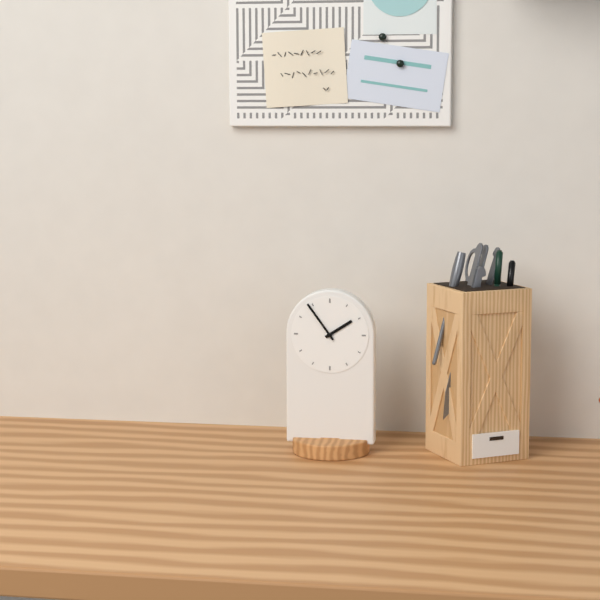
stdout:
{"hour": 1, "minute": 54}
